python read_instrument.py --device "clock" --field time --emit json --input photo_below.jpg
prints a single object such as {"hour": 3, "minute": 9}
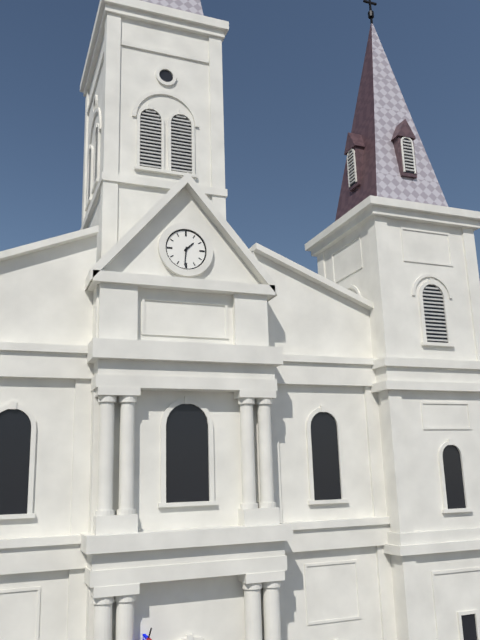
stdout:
{"hour": 1, "minute": 31}
